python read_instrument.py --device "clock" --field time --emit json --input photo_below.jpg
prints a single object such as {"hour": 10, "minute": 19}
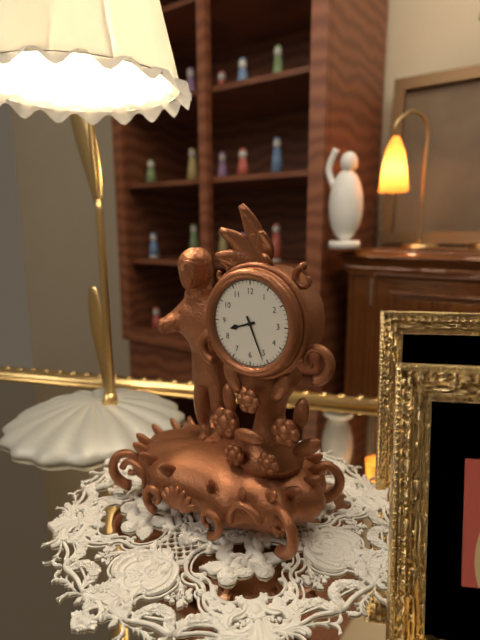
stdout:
{"hour": 8, "minute": 26}
